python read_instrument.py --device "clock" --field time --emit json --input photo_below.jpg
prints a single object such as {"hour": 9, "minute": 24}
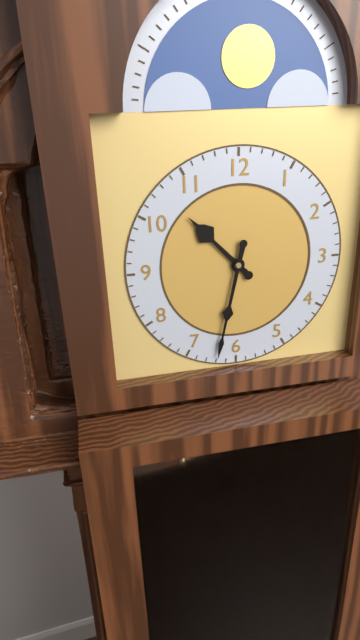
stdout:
{"hour": 10, "minute": 32}
